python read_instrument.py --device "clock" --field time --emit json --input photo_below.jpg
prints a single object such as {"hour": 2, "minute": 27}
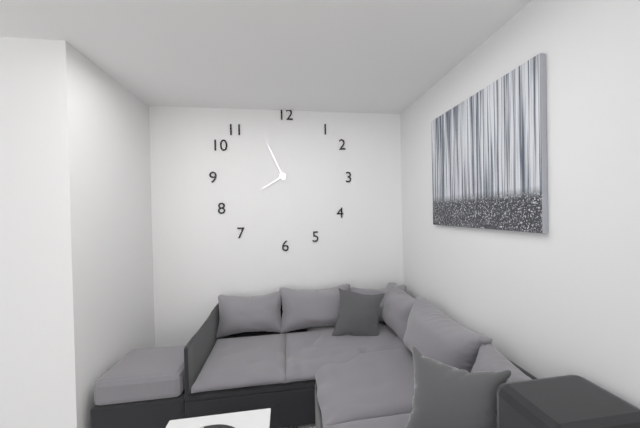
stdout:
{"hour": 7, "minute": 56}
